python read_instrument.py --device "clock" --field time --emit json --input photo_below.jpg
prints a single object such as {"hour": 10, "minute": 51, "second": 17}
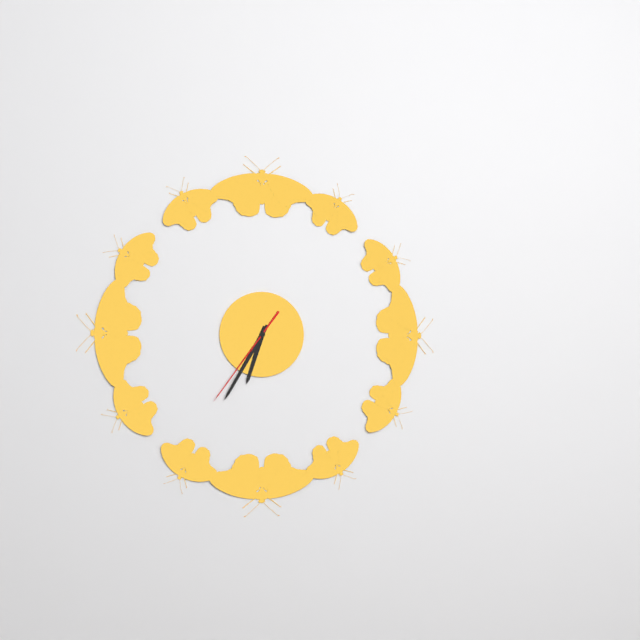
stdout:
{"hour": 6, "minute": 35, "second": 36}
